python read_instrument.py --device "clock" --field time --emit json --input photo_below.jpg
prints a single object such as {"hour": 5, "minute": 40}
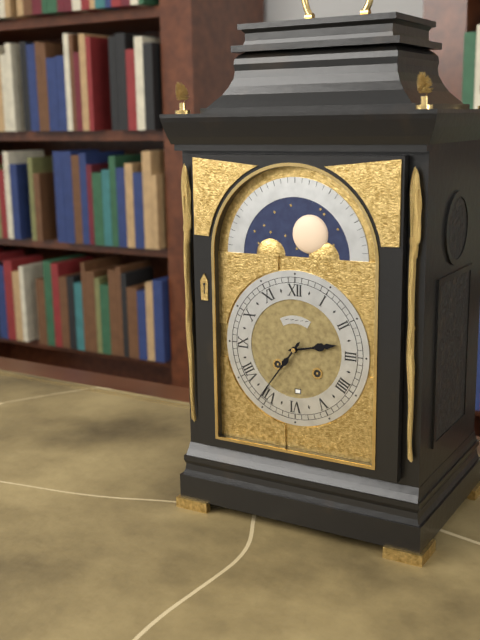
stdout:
{"hour": 2, "minute": 36}
